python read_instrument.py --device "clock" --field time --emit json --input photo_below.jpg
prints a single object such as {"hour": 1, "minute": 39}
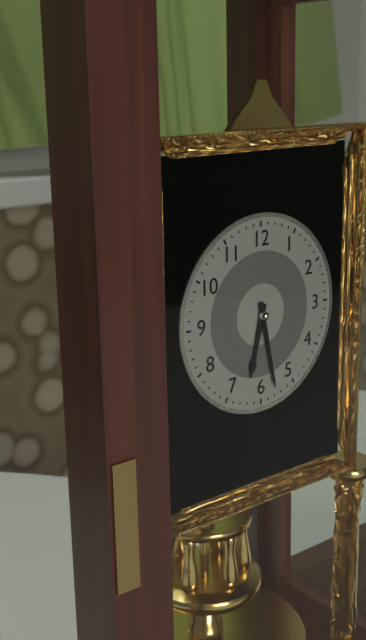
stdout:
{"hour": 6, "minute": 28}
